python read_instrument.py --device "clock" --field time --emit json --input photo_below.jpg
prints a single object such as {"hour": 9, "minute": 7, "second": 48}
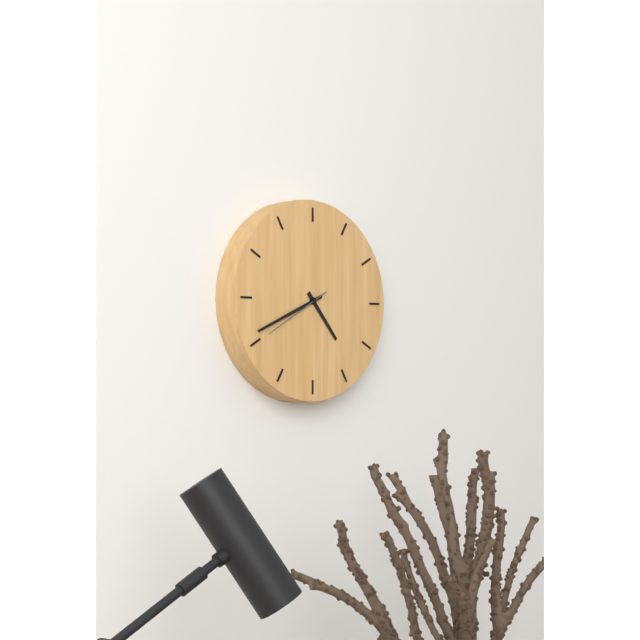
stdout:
{"hour": 4, "minute": 41, "second": 40}
